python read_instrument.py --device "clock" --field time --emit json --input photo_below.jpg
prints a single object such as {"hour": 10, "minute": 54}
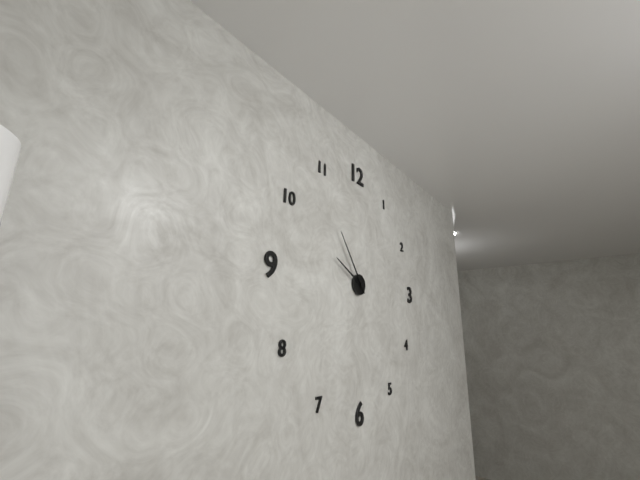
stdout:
{"hour": 9, "minute": 54}
